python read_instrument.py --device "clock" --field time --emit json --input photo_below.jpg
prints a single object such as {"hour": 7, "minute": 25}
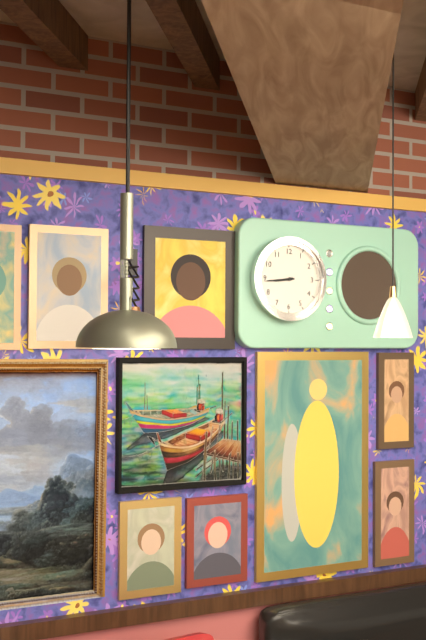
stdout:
{"hour": 8, "minute": 44}
